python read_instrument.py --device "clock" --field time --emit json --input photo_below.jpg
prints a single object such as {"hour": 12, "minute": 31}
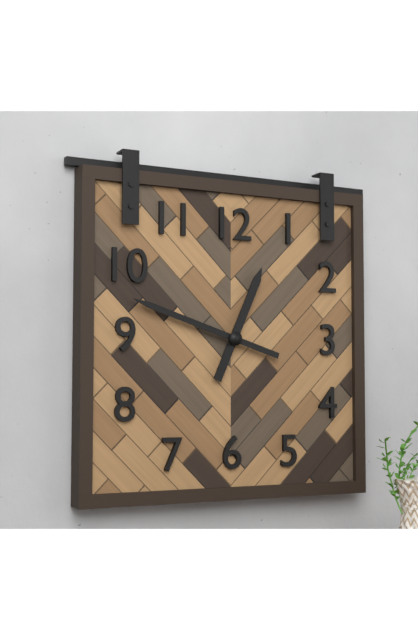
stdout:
{"hour": 12, "minute": 48}
